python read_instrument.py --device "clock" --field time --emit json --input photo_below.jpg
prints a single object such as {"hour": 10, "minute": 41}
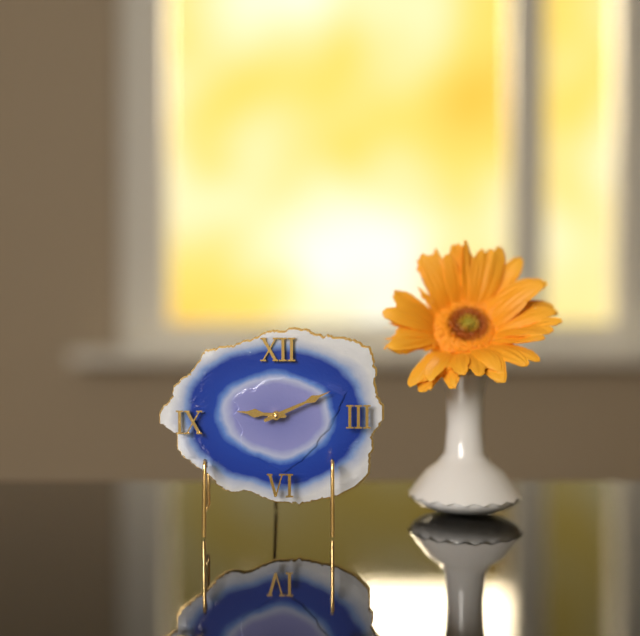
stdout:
{"hour": 9, "minute": 11}
